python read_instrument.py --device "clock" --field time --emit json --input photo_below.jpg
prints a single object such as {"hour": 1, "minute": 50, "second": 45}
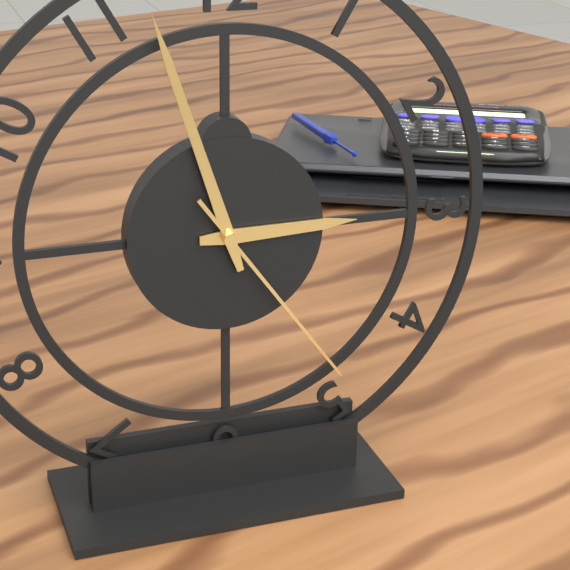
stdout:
{"hour": 2, "minute": 57, "second": 24}
